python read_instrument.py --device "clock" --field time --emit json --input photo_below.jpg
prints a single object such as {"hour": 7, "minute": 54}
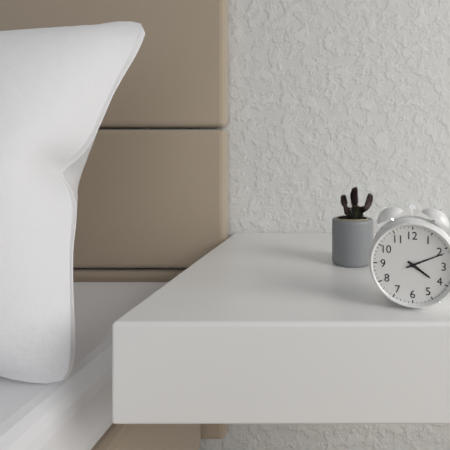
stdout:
{"hour": 4, "minute": 11}
